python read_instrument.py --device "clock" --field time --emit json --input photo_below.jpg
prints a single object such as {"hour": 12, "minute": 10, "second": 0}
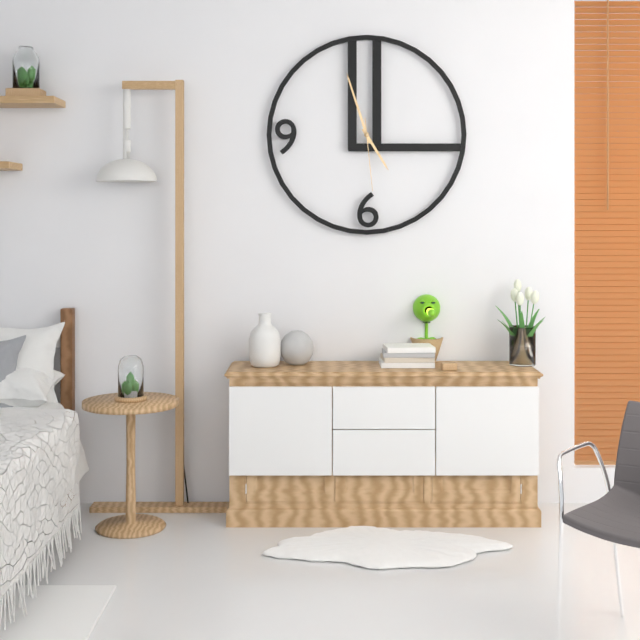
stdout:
{"hour": 4, "minute": 57, "second": 29}
